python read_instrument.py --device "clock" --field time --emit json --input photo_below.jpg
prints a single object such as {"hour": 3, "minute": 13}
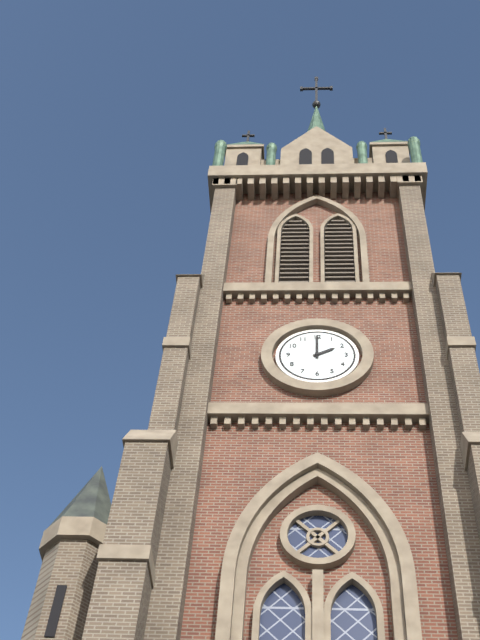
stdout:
{"hour": 2, "minute": 0}
